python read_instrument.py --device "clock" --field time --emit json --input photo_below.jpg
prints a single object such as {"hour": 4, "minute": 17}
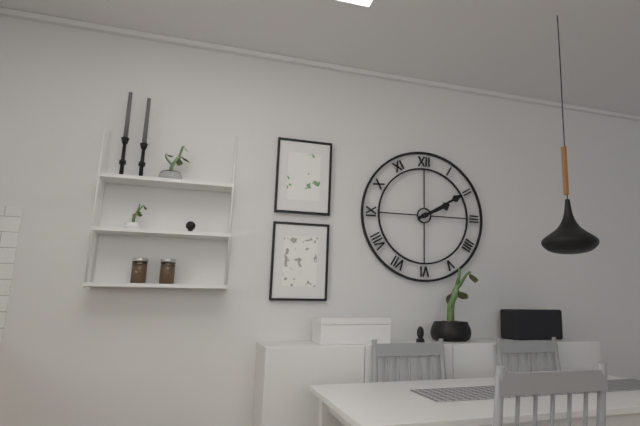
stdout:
{"hour": 2, "minute": 10}
